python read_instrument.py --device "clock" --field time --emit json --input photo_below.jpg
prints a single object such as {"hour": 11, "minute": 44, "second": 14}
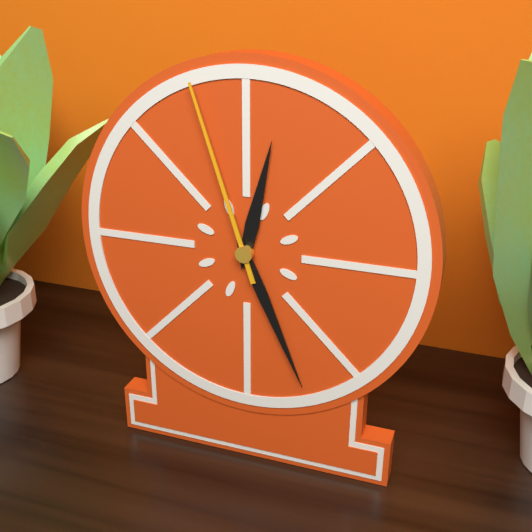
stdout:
{"hour": 12, "minute": 26, "second": 57}
